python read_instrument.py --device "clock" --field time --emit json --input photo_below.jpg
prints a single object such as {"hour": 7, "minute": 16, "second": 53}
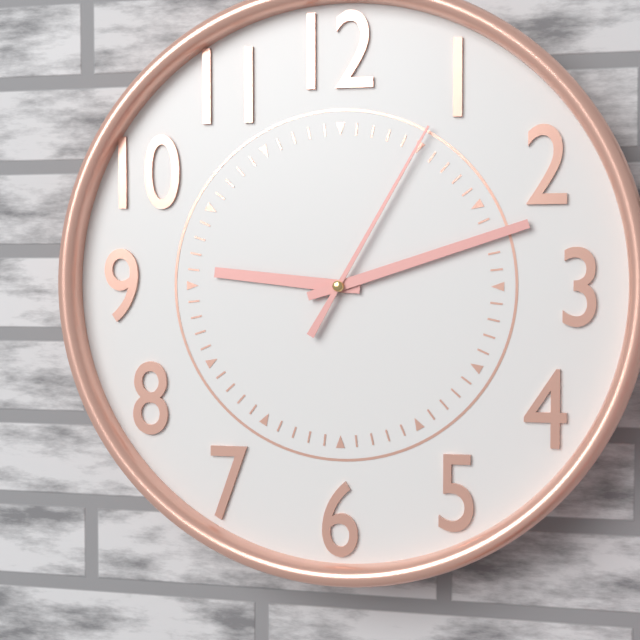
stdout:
{"hour": 9, "minute": 12, "second": 5}
